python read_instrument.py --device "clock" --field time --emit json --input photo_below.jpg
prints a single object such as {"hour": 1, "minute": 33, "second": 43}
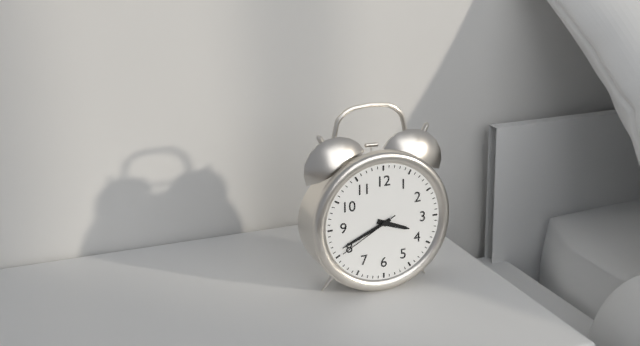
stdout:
{"hour": 3, "minute": 41, "second": 40}
